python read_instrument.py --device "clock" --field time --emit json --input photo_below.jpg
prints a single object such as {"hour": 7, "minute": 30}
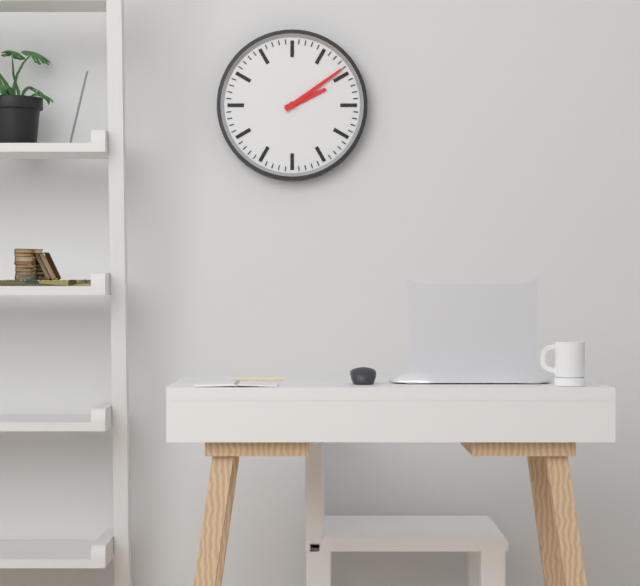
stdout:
{"hour": 2, "minute": 9}
